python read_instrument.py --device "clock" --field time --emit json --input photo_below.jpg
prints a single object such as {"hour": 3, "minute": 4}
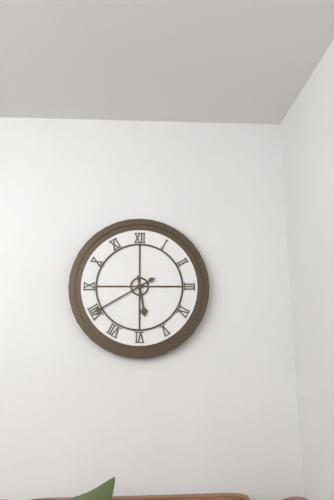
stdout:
{"hour": 5, "minute": 40}
